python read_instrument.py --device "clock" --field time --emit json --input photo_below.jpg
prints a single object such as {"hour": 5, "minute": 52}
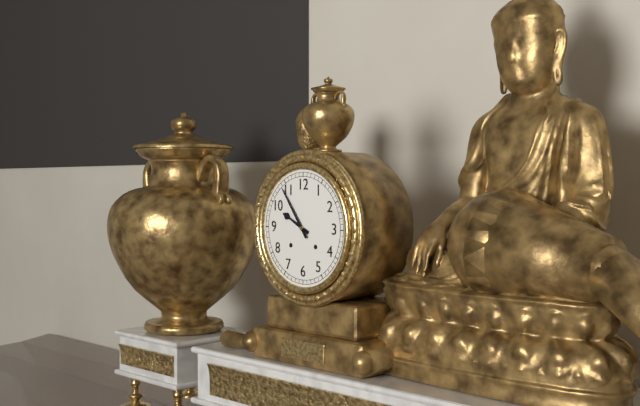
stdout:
{"hour": 9, "minute": 54}
